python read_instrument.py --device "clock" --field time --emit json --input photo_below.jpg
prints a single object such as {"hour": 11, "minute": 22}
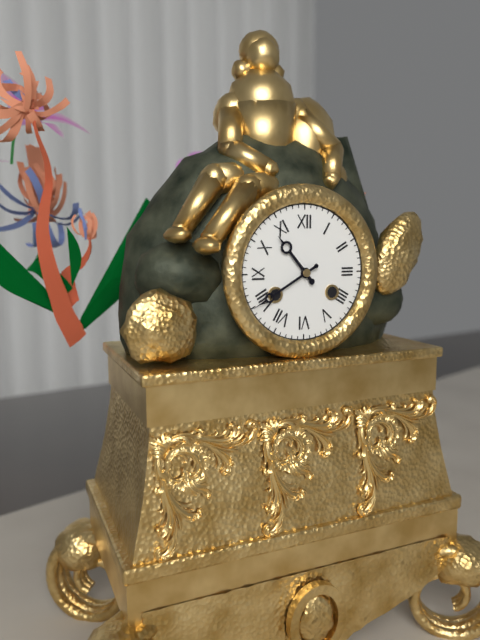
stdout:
{"hour": 10, "minute": 40}
